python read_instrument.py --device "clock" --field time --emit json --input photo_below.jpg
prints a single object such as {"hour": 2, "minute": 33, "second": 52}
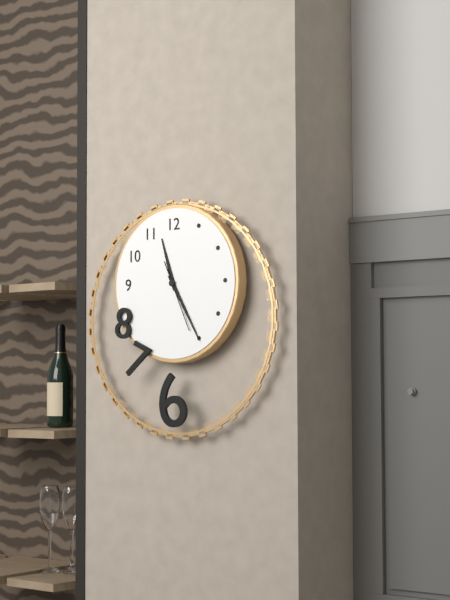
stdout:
{"hour": 11, "minute": 25, "second": 26}
